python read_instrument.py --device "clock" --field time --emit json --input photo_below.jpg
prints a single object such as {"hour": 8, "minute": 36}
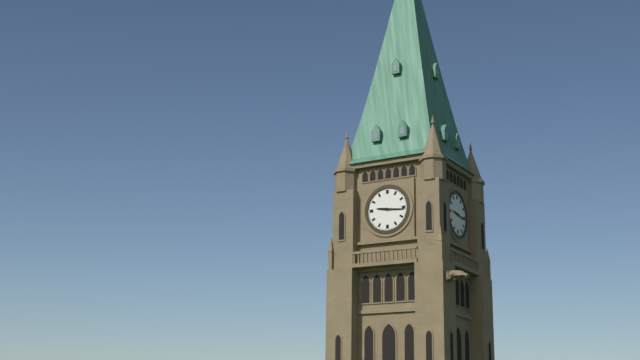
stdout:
{"hour": 9, "minute": 16}
